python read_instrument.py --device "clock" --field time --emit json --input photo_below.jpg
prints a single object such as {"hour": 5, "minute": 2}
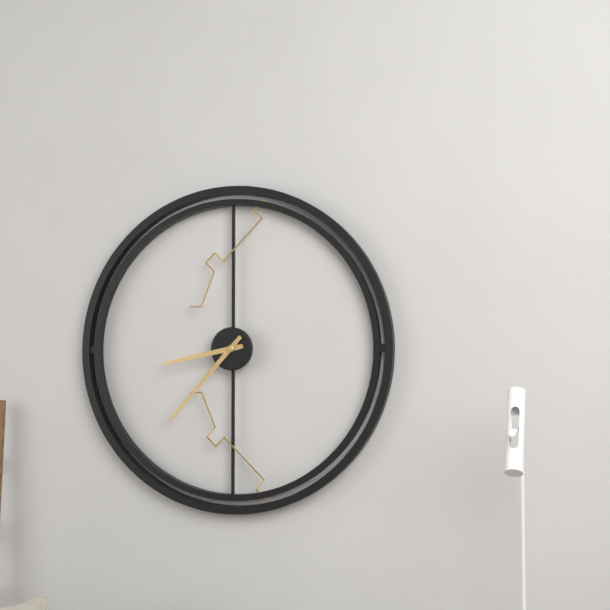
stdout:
{"hour": 8, "minute": 37}
